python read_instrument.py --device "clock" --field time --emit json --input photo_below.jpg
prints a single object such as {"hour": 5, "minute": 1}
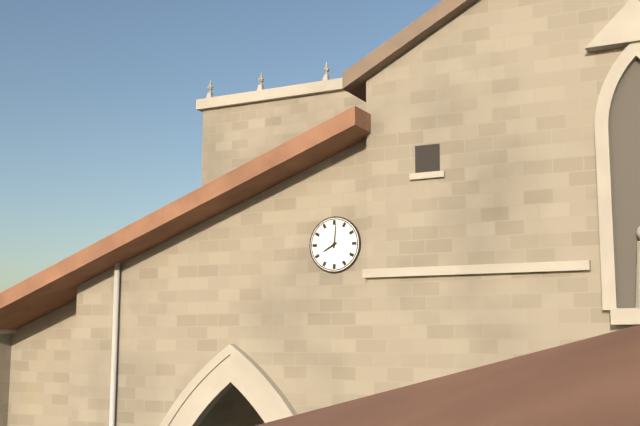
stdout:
{"hour": 8, "minute": 1}
